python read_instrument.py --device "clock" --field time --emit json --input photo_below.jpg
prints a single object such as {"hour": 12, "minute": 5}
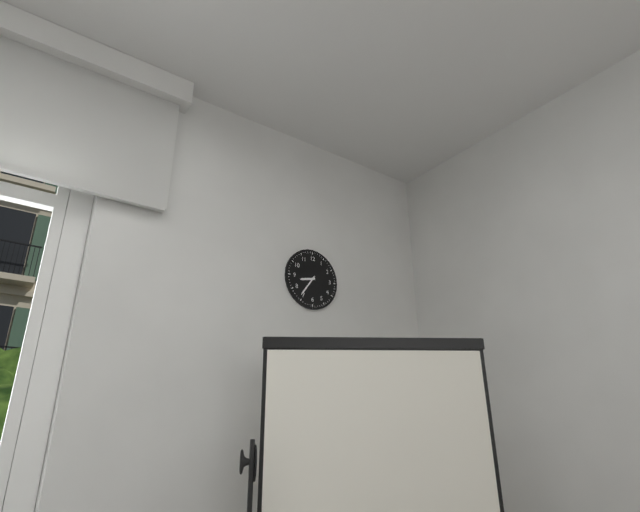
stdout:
{"hour": 8, "minute": 36}
